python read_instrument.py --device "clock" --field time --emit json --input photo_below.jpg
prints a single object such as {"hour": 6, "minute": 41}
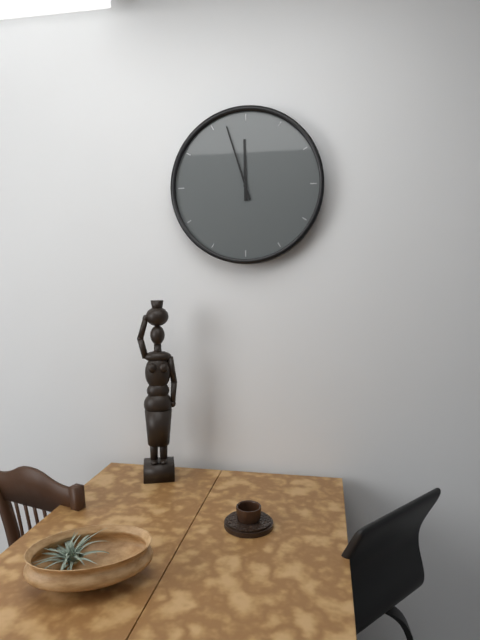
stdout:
{"hour": 11, "minute": 57}
